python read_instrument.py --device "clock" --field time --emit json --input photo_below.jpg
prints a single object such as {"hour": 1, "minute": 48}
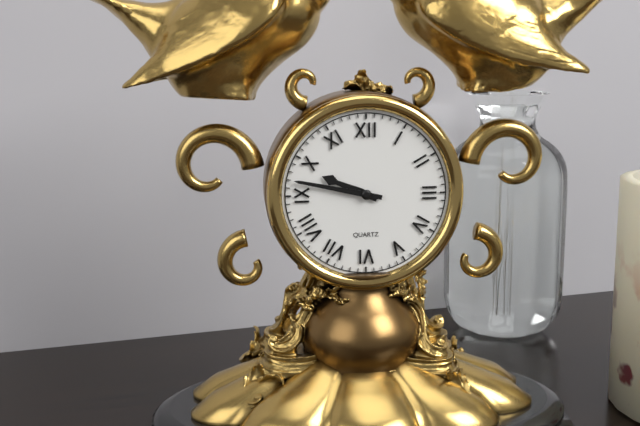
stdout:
{"hour": 9, "minute": 47}
